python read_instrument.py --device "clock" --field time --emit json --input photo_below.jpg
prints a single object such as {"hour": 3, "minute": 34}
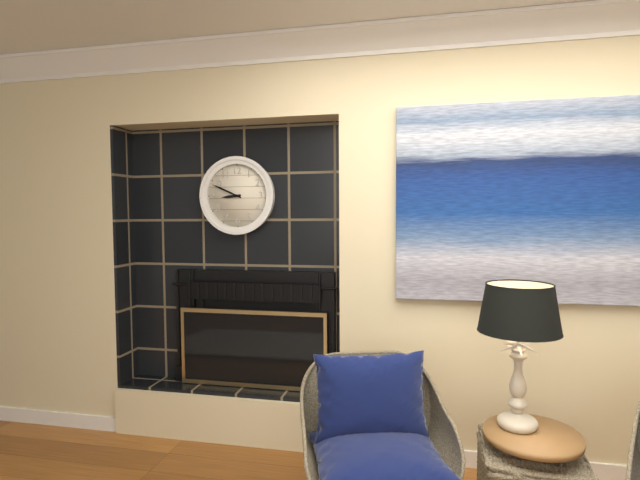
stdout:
{"hour": 8, "minute": 49}
